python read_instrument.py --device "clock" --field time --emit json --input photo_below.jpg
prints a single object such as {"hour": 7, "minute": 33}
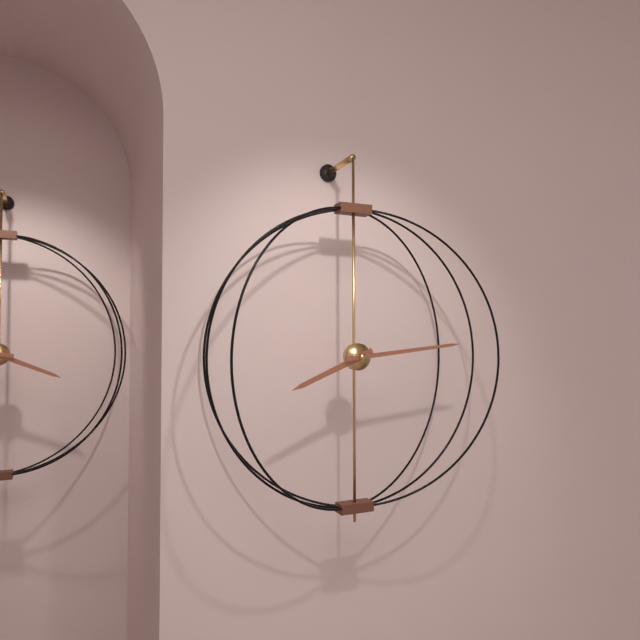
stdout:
{"hour": 8, "minute": 14}
